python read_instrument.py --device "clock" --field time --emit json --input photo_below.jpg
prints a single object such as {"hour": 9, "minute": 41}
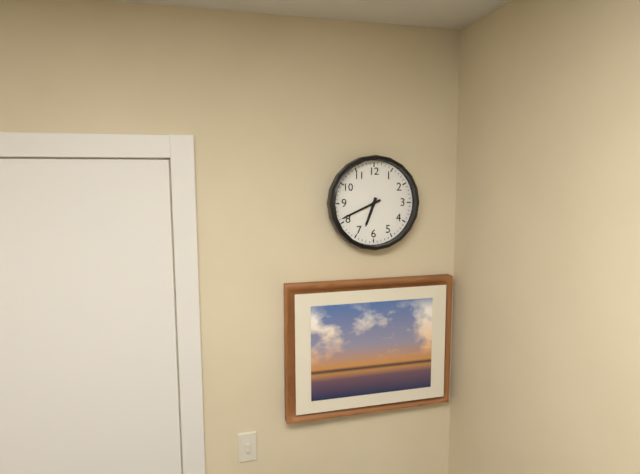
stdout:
{"hour": 6, "minute": 41}
